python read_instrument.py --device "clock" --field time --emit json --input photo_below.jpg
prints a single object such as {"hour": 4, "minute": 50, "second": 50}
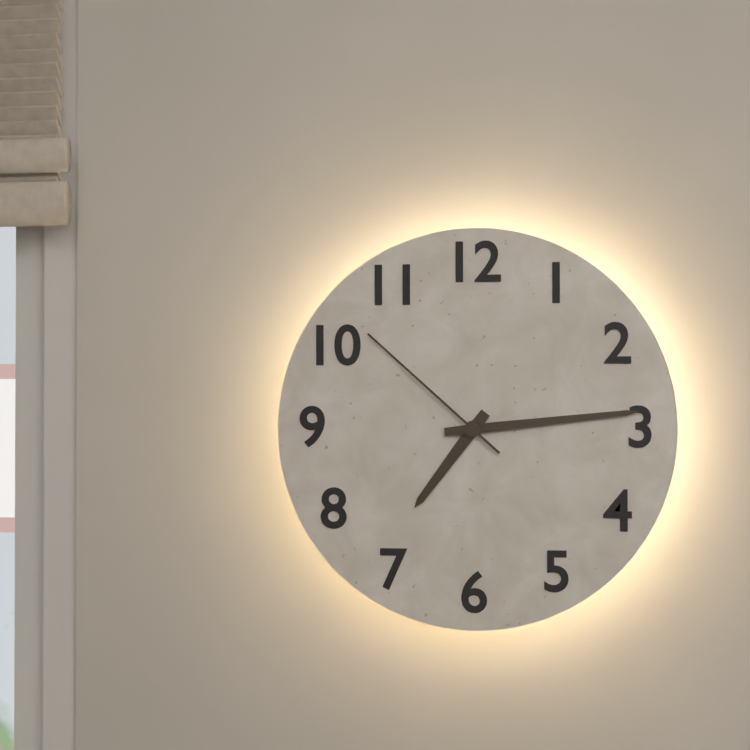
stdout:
{"hour": 7, "minute": 14, "second": 52}
